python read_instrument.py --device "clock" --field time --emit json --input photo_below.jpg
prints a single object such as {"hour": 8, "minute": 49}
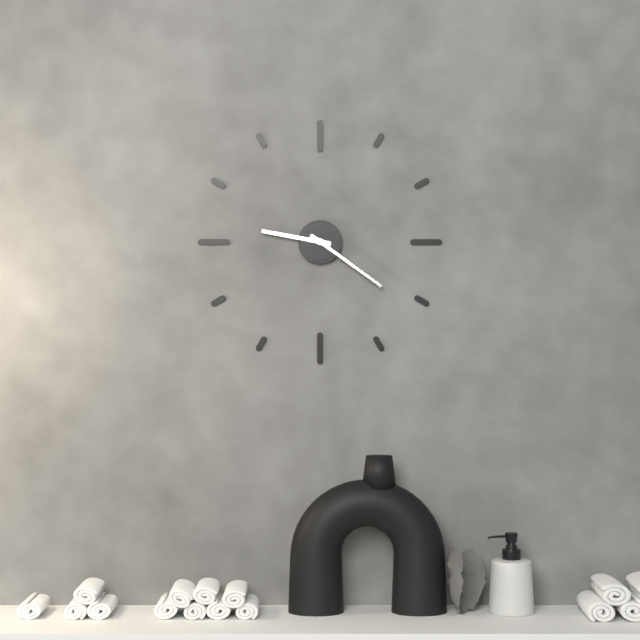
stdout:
{"hour": 9, "minute": 21}
